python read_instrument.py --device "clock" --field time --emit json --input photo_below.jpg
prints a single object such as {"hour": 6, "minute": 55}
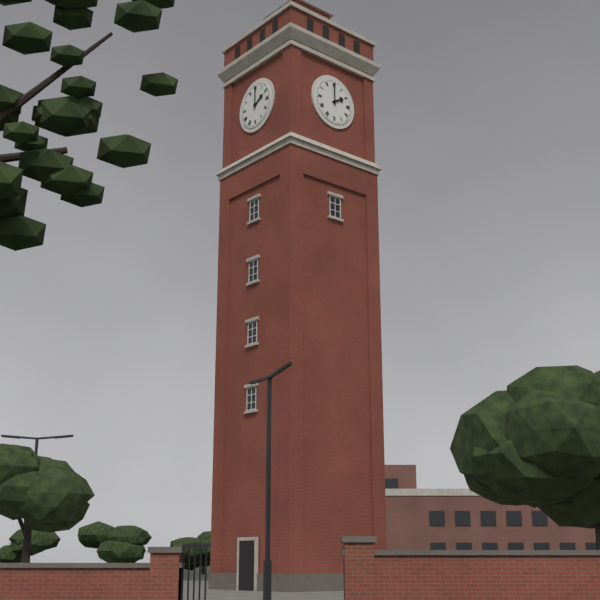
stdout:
{"hour": 2, "minute": 0}
